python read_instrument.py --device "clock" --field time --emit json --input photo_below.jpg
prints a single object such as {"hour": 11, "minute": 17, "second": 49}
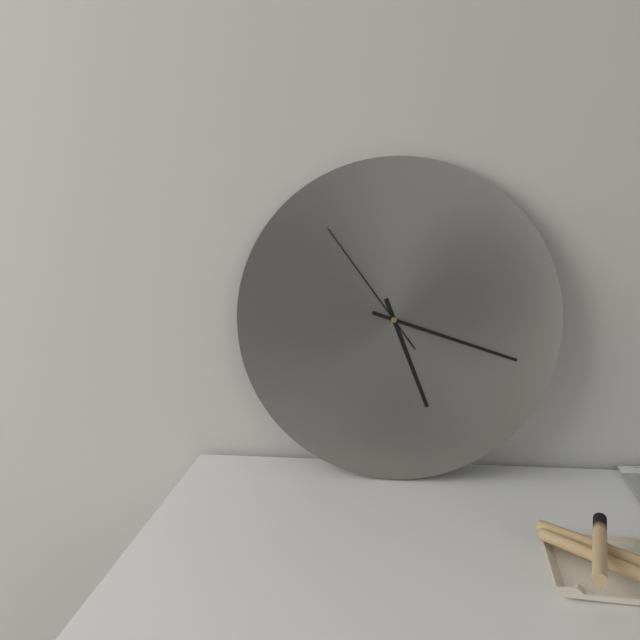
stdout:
{"hour": 5, "minute": 18, "second": 54}
